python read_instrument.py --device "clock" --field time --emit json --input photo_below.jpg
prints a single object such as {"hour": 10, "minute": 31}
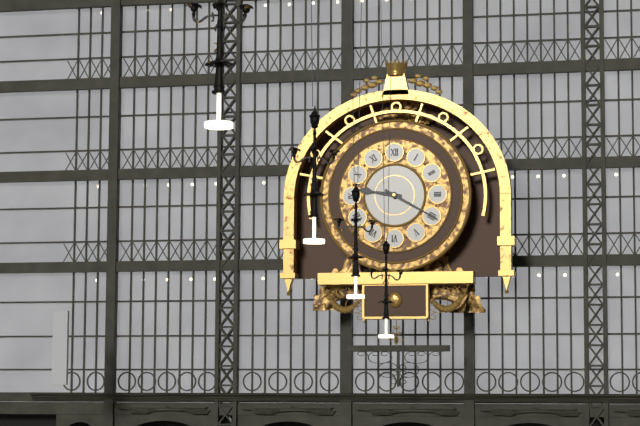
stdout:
{"hour": 9, "minute": 20}
